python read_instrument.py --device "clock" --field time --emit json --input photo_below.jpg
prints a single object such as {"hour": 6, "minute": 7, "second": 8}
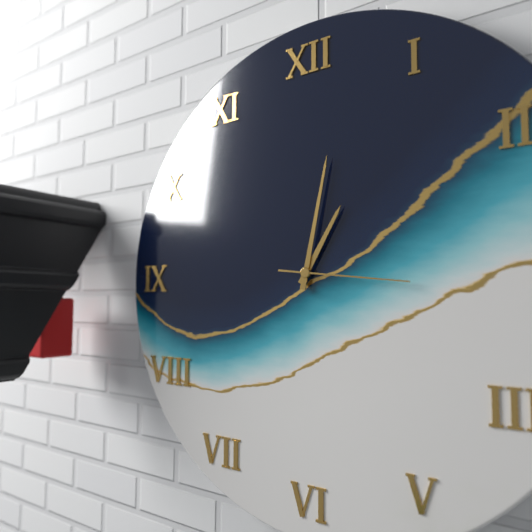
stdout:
{"hour": 1, "minute": 2, "second": 16}
